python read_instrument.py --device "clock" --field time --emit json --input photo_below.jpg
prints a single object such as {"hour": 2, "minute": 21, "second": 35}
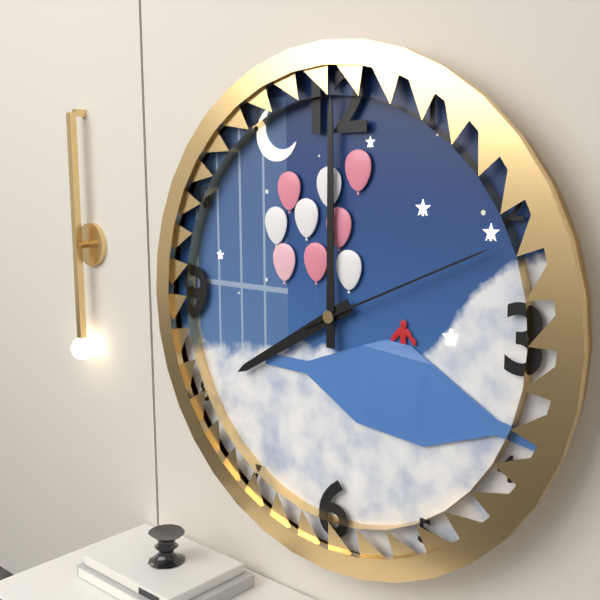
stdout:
{"hour": 8, "minute": 0, "second": 11}
